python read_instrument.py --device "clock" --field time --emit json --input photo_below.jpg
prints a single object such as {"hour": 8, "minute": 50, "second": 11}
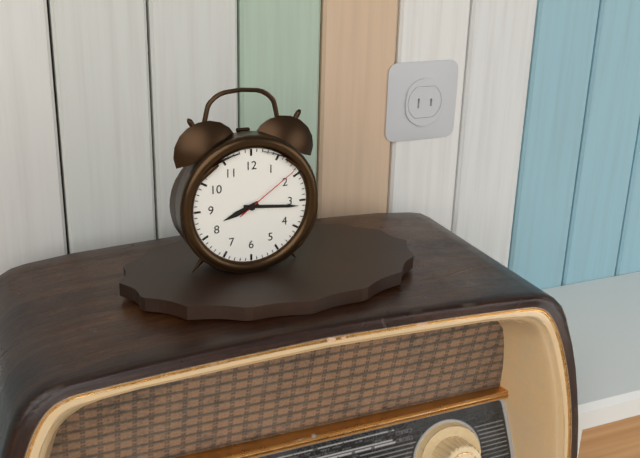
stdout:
{"hour": 8, "minute": 16, "second": 9}
